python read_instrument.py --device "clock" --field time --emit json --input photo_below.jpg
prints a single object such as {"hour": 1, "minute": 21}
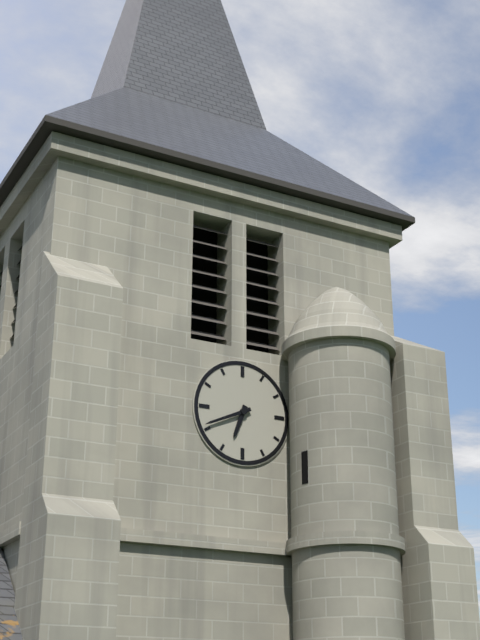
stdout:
{"hour": 6, "minute": 41}
